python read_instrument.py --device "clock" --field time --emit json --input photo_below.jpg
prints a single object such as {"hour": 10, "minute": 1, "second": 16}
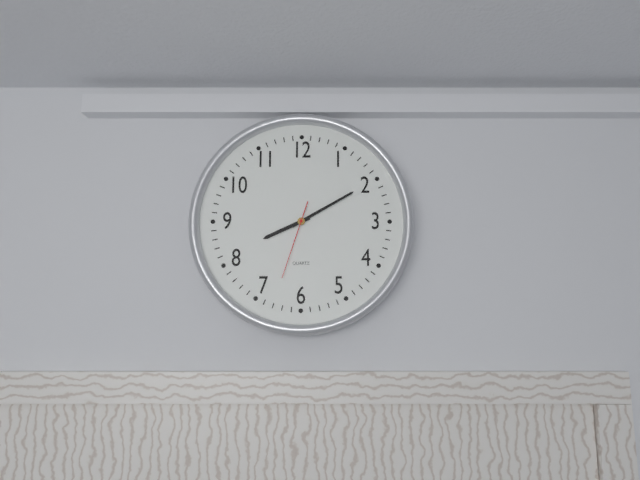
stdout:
{"hour": 8, "minute": 10, "second": 33}
